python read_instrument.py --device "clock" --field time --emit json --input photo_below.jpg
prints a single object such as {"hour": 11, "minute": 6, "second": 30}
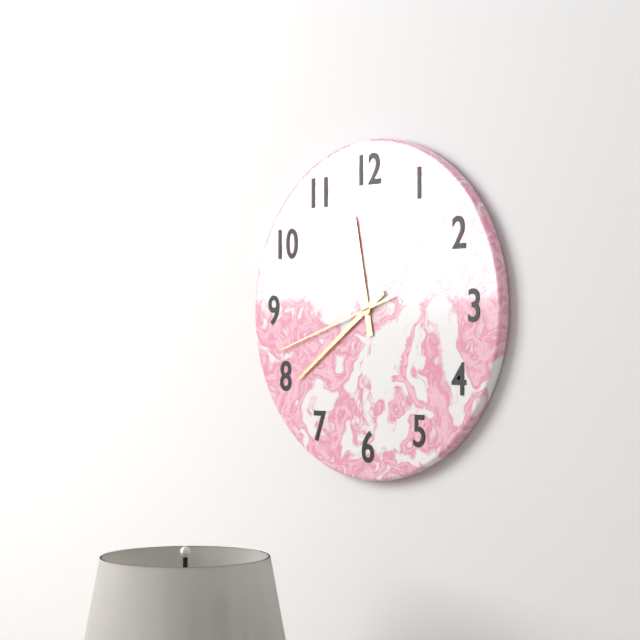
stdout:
{"hour": 11, "minute": 39, "second": 42}
